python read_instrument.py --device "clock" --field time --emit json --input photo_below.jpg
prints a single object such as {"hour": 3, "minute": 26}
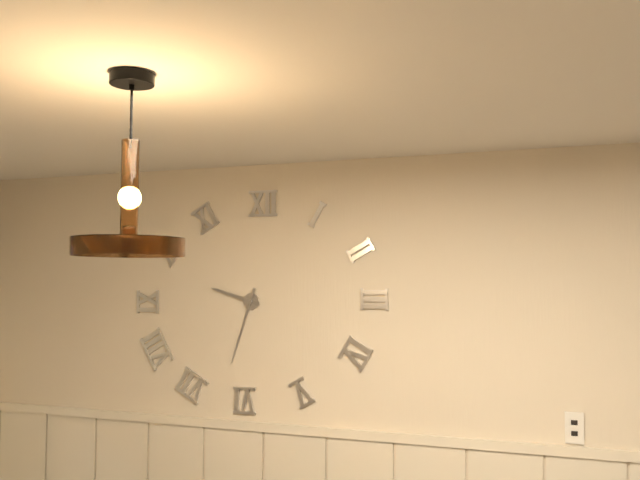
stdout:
{"hour": 9, "minute": 33}
